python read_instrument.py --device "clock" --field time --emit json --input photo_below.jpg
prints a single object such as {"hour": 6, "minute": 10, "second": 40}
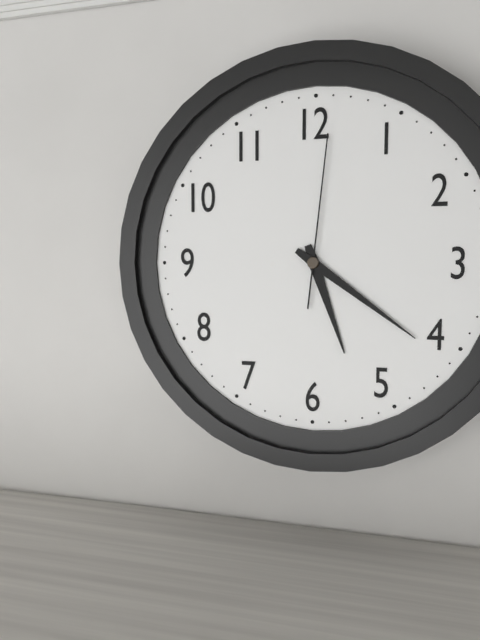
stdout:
{"hour": 5, "minute": 21, "second": 1}
